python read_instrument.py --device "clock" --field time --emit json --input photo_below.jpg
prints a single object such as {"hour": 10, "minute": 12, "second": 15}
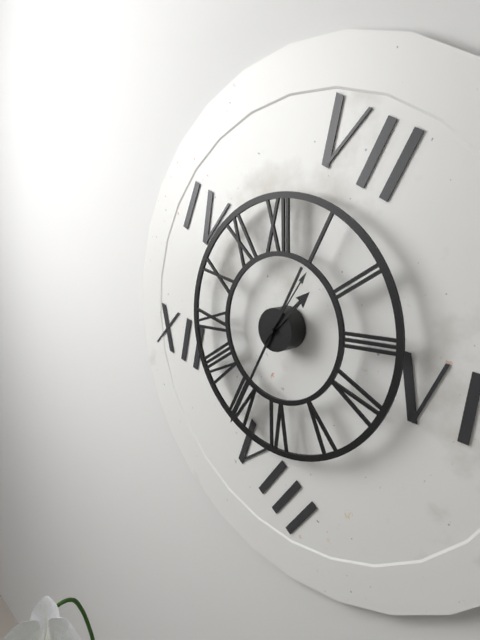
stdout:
{"hour": 1, "minute": 35, "second": 6}
